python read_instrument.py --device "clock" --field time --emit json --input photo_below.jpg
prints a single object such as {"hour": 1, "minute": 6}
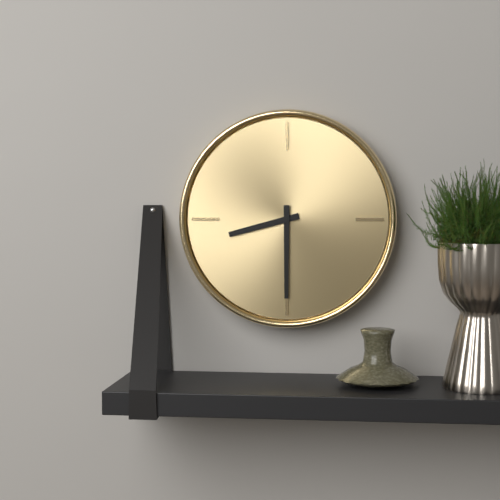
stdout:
{"hour": 8, "minute": 30}
